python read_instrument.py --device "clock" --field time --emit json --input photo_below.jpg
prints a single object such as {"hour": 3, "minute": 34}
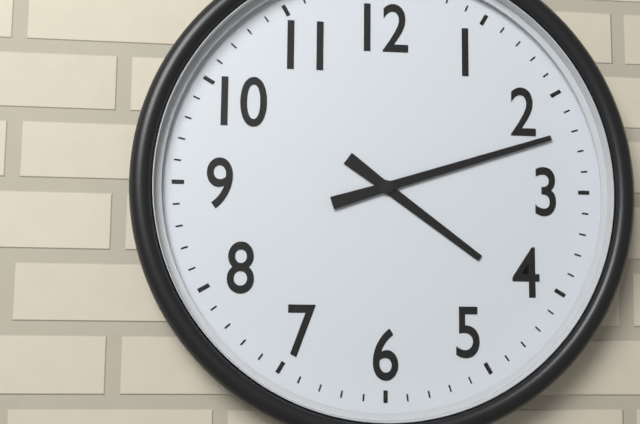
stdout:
{"hour": 4, "minute": 12}
